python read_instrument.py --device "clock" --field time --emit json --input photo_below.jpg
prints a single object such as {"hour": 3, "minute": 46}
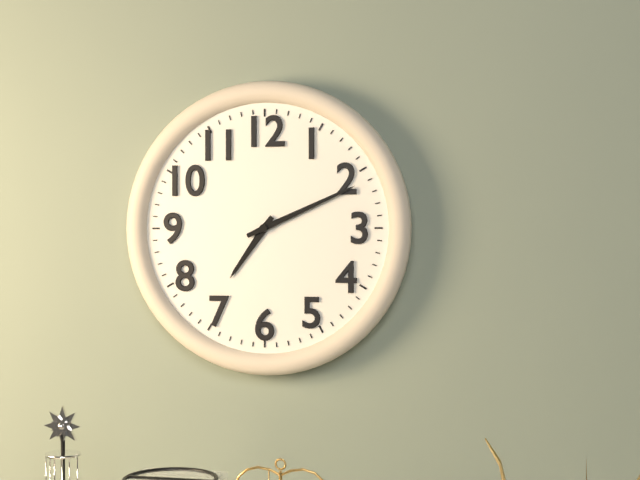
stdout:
{"hour": 7, "minute": 11}
